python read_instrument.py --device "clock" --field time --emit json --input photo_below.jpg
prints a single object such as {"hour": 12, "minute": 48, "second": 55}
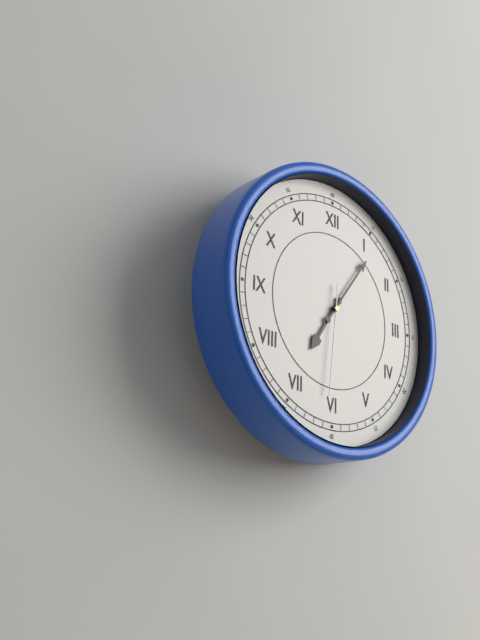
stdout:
{"hour": 7, "minute": 6, "second": 31}
